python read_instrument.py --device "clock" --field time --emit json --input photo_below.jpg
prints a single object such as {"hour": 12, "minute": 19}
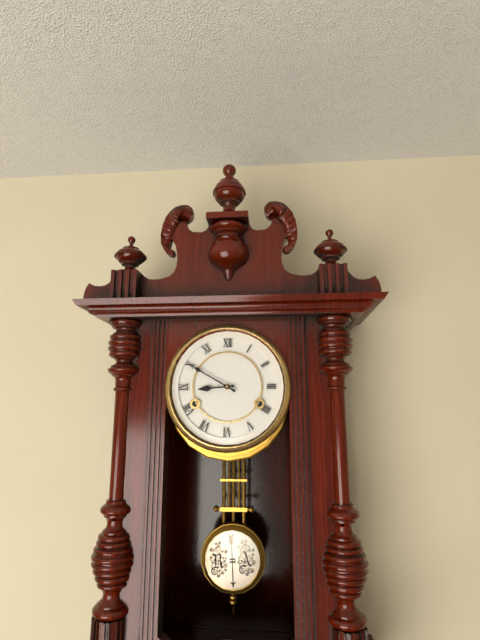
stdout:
{"hour": 8, "minute": 50}
